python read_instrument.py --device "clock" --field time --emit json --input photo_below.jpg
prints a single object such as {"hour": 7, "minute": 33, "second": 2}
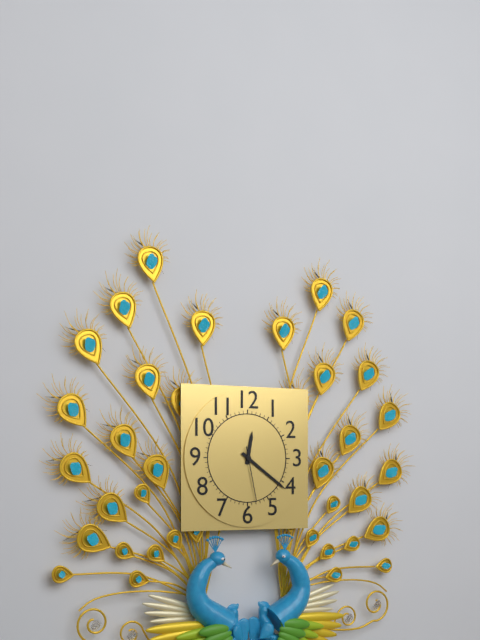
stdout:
{"hour": 12, "minute": 21, "second": 28}
